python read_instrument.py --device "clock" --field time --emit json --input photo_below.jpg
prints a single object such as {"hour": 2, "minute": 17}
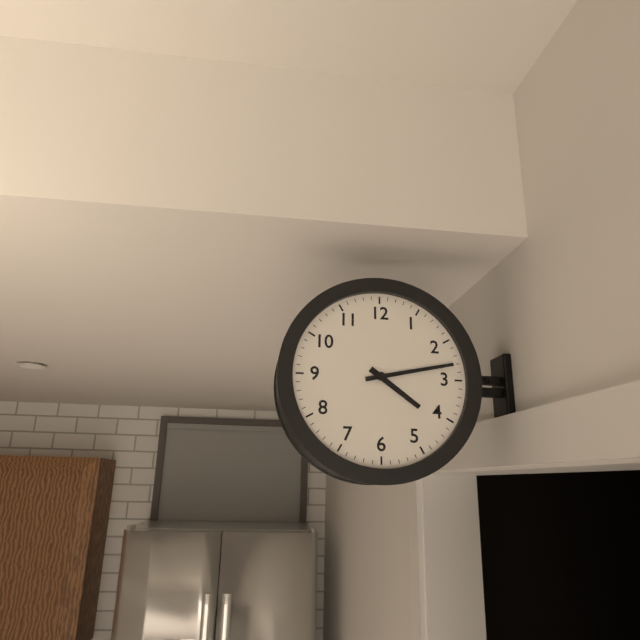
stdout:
{"hour": 4, "minute": 13}
